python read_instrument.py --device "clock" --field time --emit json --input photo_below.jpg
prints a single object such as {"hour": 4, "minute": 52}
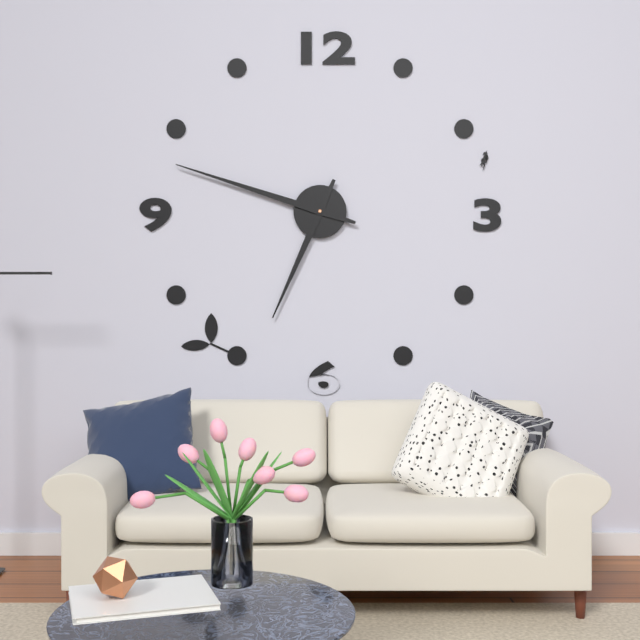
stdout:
{"hour": 6, "minute": 48}
